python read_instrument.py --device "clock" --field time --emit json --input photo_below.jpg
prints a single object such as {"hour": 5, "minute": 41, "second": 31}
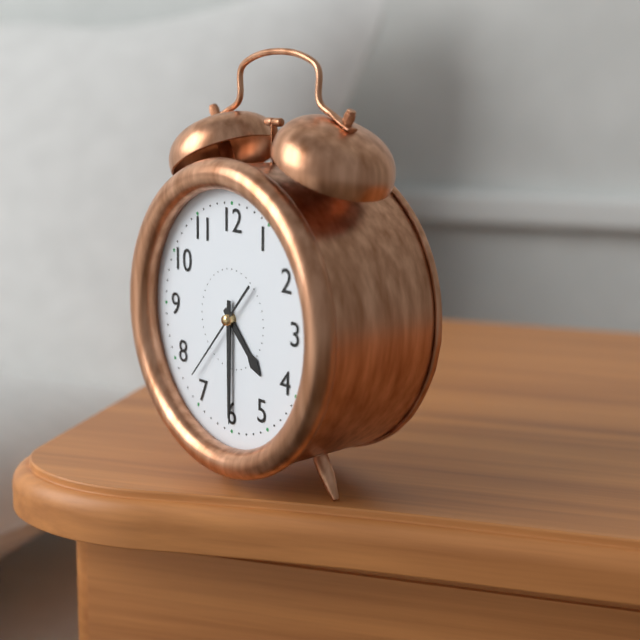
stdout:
{"hour": 4, "minute": 30, "second": 37}
